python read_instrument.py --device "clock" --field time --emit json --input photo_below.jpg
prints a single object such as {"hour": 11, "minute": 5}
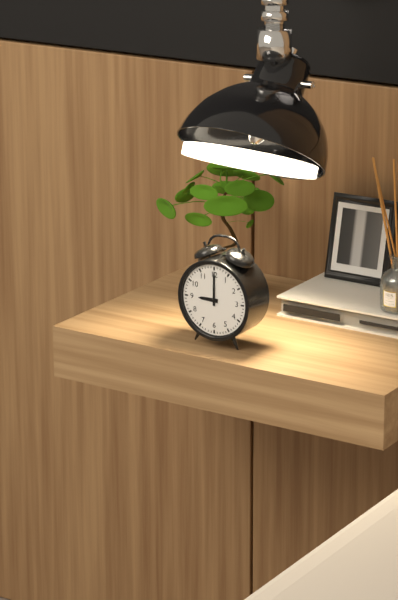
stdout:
{"hour": 9, "minute": 0}
